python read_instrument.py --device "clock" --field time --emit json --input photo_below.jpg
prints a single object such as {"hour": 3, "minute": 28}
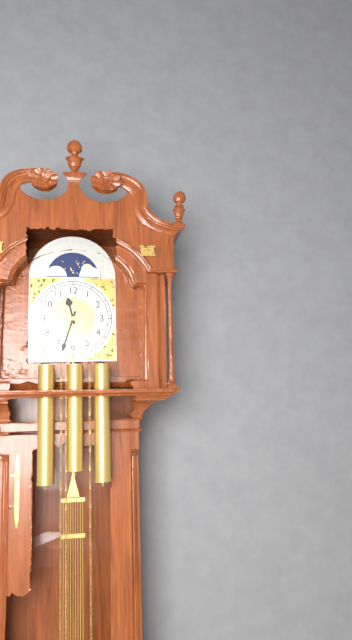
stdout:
{"hour": 11, "minute": 33}
